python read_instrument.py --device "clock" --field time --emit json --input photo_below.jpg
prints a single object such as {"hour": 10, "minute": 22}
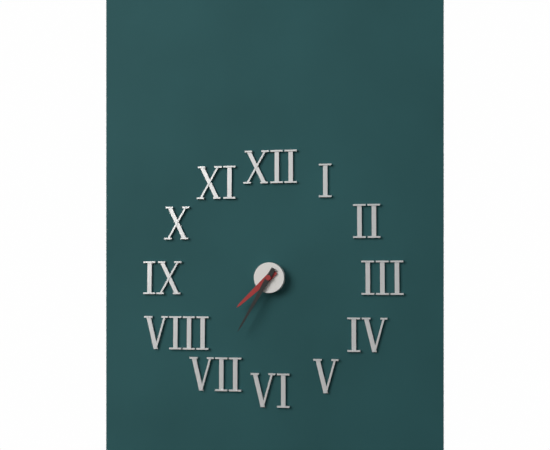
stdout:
{"hour": 7, "minute": 35}
